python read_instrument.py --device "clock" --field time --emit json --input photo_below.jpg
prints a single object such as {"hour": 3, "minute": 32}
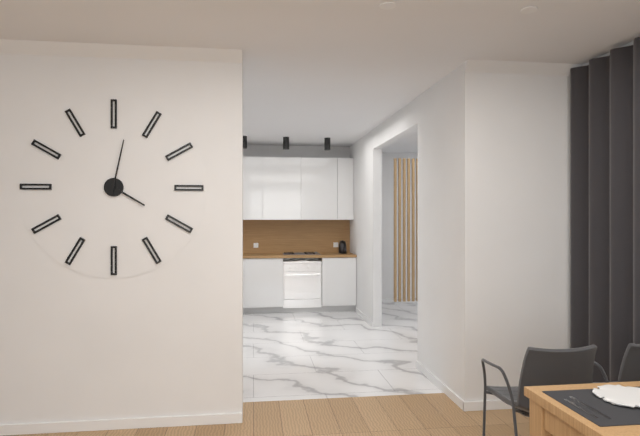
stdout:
{"hour": 4, "minute": 2}
